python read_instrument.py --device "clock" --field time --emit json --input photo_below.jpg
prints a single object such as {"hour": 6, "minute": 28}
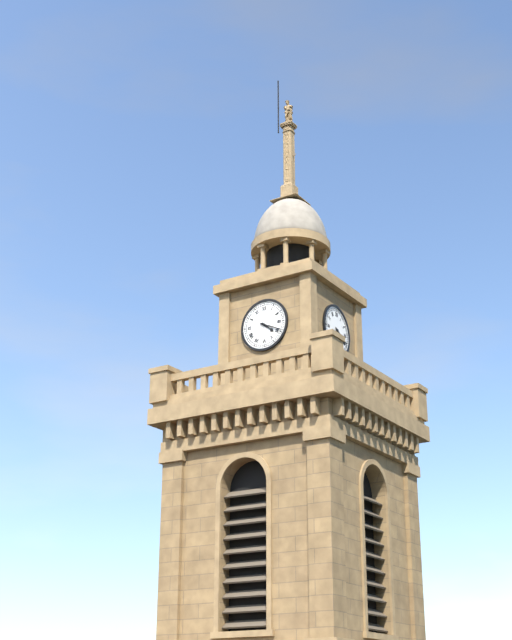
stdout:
{"hour": 4, "minute": 19}
